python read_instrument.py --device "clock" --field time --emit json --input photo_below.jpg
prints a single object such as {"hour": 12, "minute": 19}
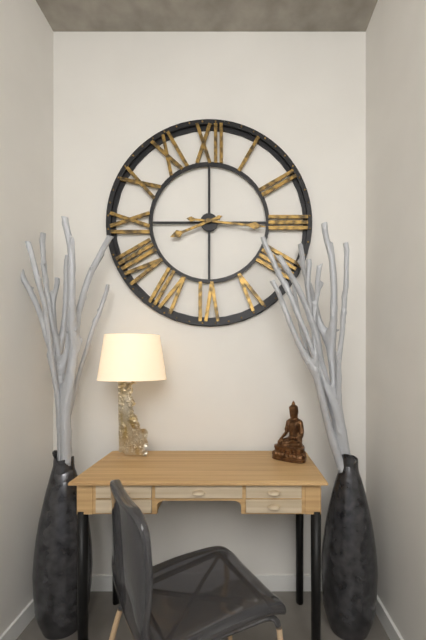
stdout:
{"hour": 8, "minute": 16}
